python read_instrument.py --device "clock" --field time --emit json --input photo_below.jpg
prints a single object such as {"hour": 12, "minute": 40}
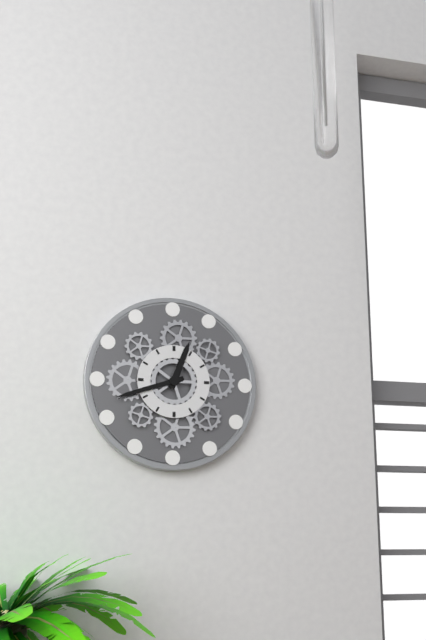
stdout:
{"hour": 12, "minute": 42}
